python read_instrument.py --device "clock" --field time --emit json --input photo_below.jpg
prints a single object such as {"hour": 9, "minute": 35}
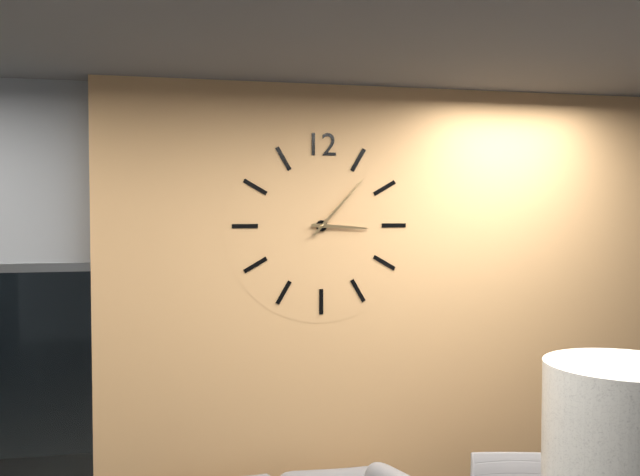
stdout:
{"hour": 3, "minute": 7}
